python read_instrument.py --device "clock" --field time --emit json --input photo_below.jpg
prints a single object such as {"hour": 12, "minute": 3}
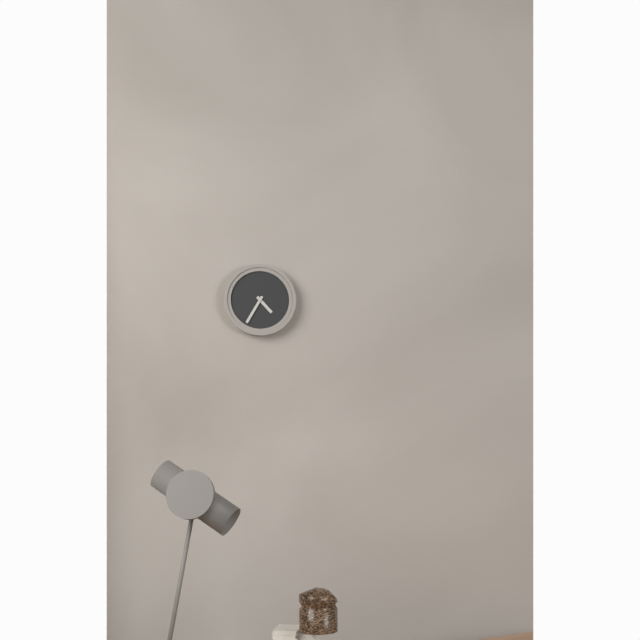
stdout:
{"hour": 4, "minute": 35}
